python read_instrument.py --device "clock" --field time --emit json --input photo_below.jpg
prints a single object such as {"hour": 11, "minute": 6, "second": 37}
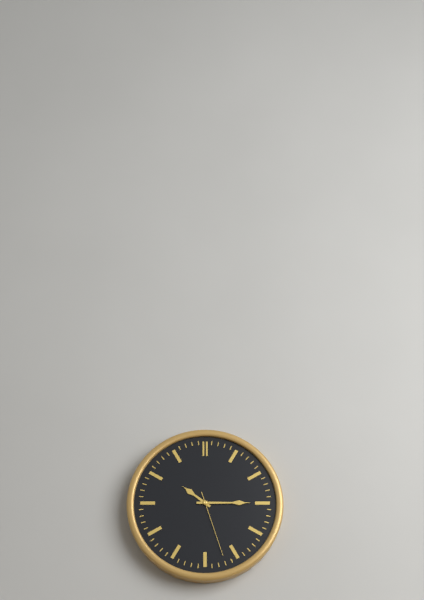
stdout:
{"hour": 10, "minute": 15, "second": 27}
